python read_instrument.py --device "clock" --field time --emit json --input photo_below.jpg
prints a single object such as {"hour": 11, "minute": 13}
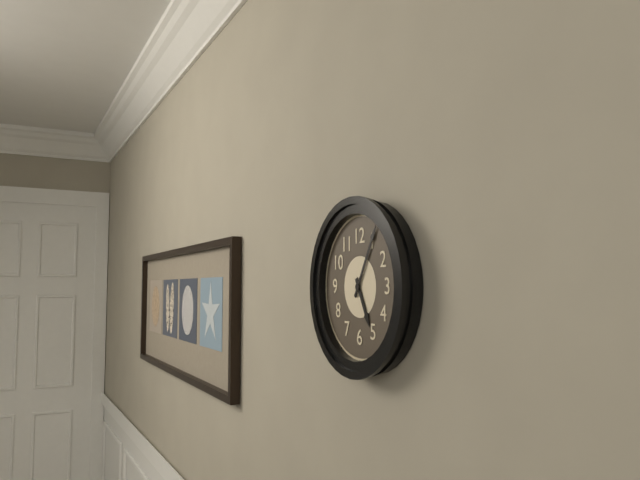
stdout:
{"hour": 5, "minute": 5}
